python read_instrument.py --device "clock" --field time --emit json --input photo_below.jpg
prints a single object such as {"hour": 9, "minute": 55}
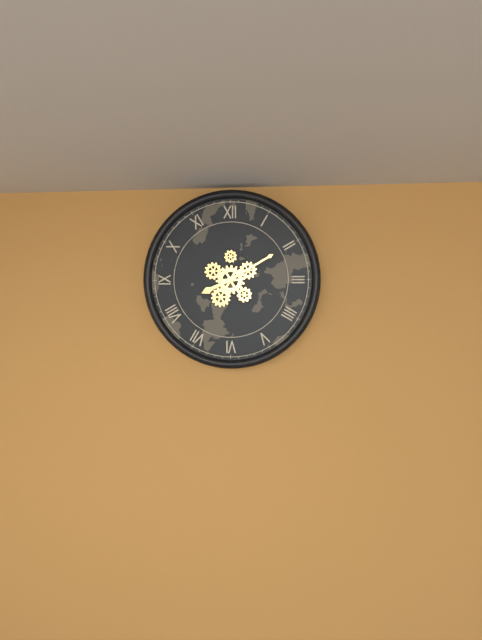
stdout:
{"hour": 8, "minute": 10}
